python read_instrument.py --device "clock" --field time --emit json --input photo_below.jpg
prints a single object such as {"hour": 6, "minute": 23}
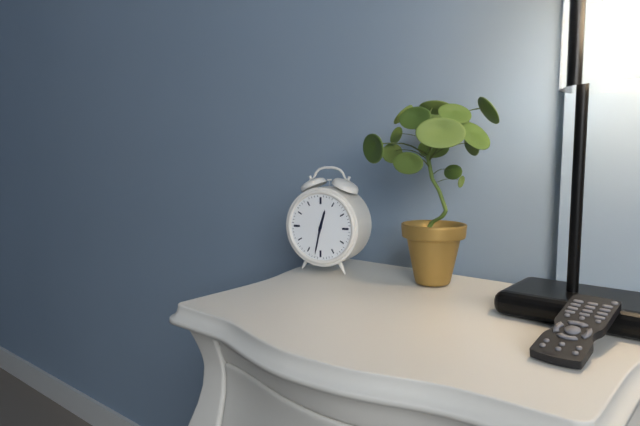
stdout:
{"hour": 12, "minute": 32}
